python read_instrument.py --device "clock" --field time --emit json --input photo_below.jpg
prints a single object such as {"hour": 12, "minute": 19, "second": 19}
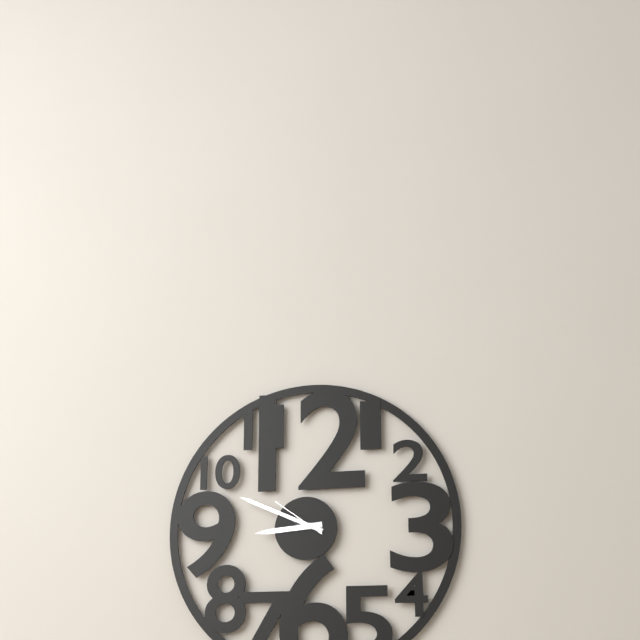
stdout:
{"hour": 8, "minute": 49, "second": 51}
